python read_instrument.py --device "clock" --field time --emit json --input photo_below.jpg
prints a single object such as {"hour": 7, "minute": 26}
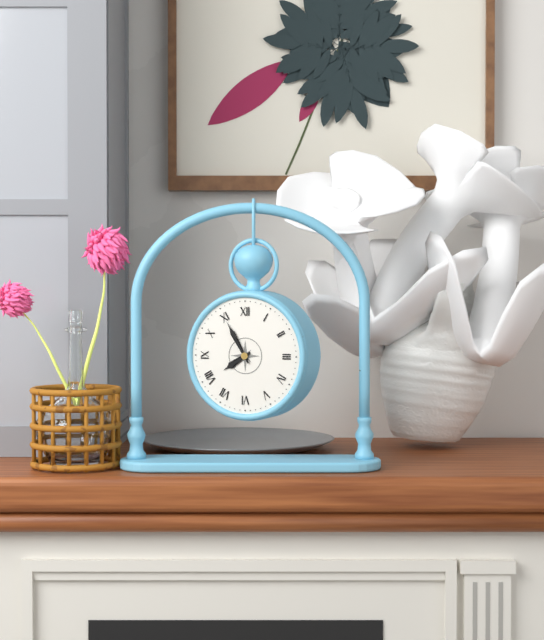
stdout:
{"hour": 7, "minute": 55}
